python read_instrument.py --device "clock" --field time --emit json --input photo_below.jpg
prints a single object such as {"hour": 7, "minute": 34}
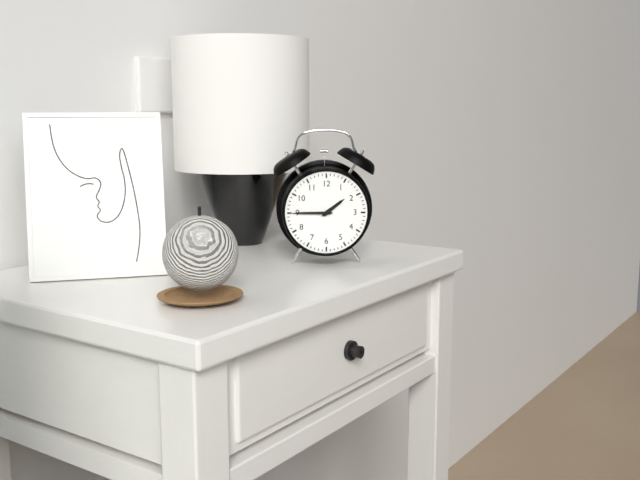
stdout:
{"hour": 1, "minute": 45}
